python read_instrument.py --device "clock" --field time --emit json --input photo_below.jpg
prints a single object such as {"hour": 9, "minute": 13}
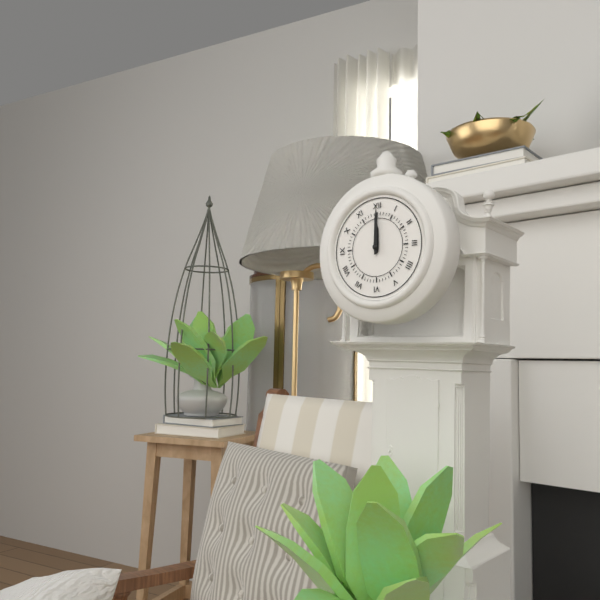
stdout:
{"hour": 12, "minute": 0}
